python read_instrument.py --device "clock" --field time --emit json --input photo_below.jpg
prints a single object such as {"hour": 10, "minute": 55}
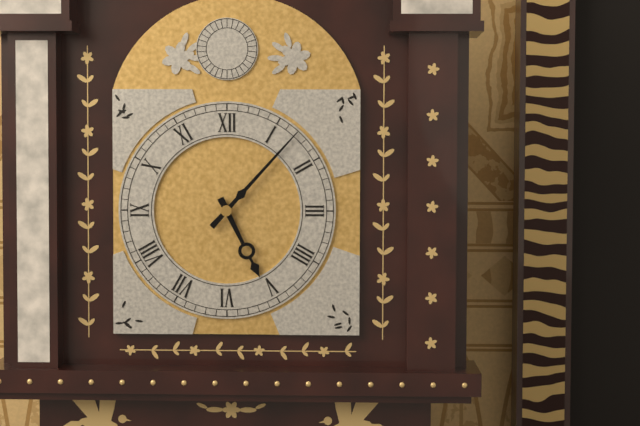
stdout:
{"hour": 5, "minute": 7}
